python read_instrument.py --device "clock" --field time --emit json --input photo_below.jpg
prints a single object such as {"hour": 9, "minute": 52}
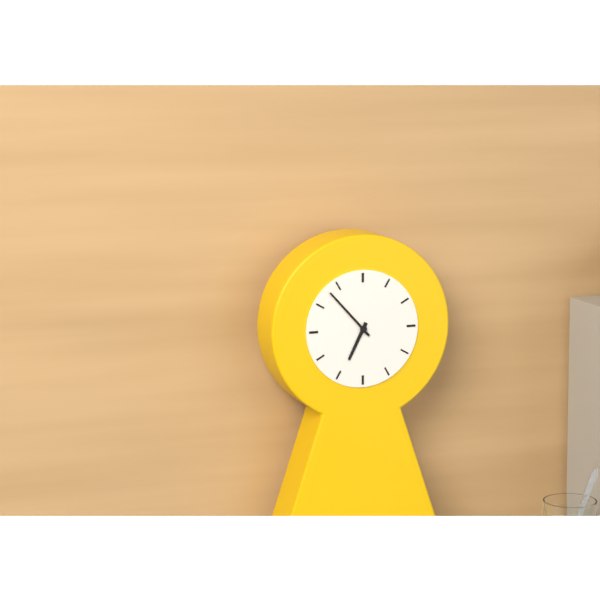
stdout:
{"hour": 6, "minute": 53}
